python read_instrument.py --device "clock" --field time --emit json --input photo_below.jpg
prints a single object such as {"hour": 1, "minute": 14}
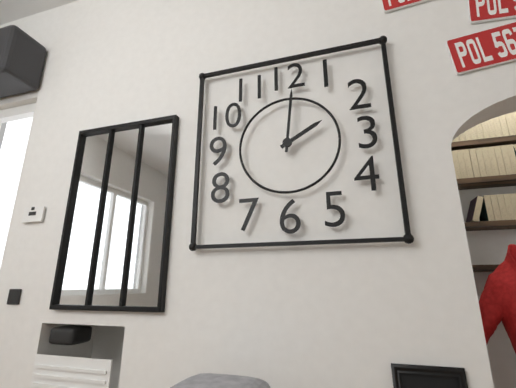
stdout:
{"hour": 2, "minute": 1}
